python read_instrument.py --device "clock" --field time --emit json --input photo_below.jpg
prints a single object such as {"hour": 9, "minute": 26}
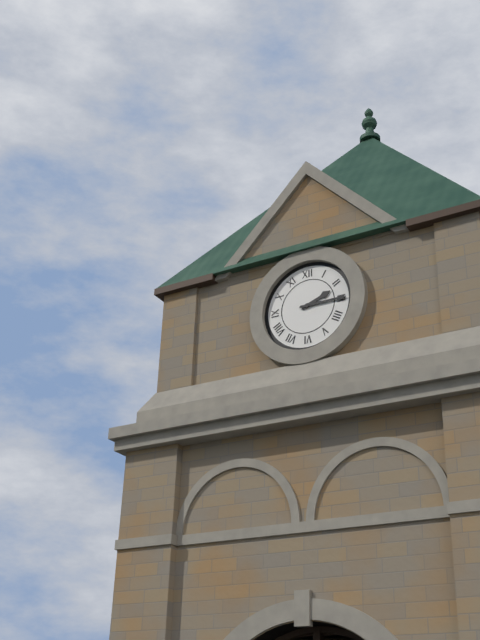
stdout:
{"hour": 2, "minute": 15}
